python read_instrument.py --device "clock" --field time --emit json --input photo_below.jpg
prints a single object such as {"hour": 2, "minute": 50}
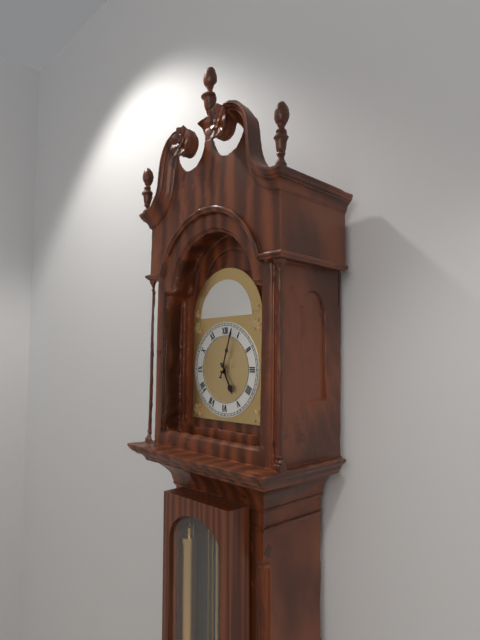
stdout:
{"hour": 5, "minute": 3}
